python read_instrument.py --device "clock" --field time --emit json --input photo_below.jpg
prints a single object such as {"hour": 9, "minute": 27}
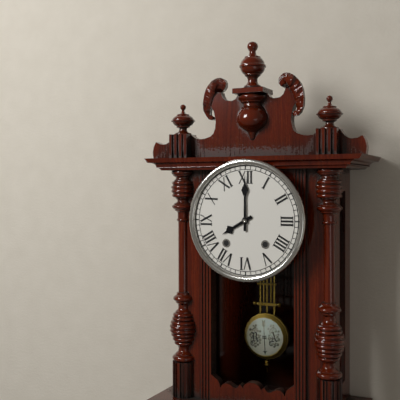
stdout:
{"hour": 8, "minute": 0}
